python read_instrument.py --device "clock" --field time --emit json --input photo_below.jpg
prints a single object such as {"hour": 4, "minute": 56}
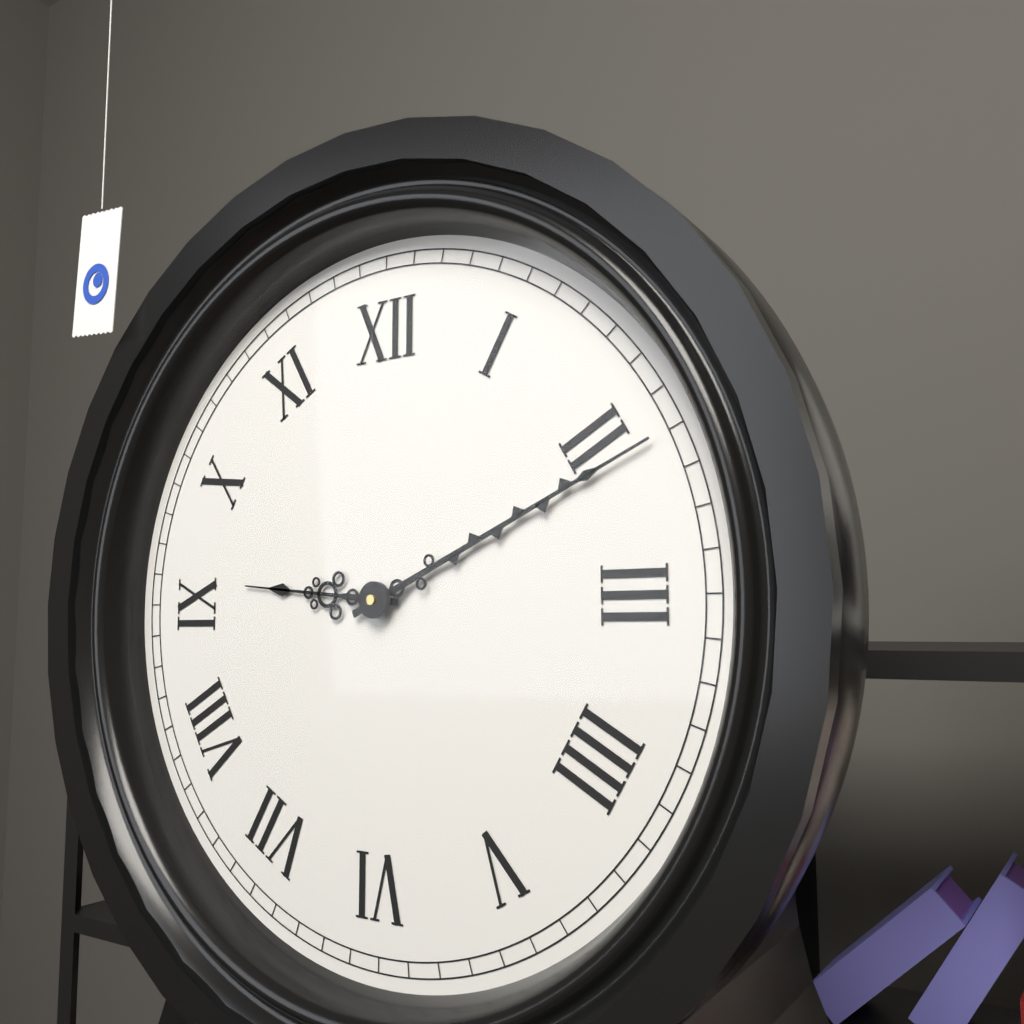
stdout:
{"hour": 9, "minute": 11}
